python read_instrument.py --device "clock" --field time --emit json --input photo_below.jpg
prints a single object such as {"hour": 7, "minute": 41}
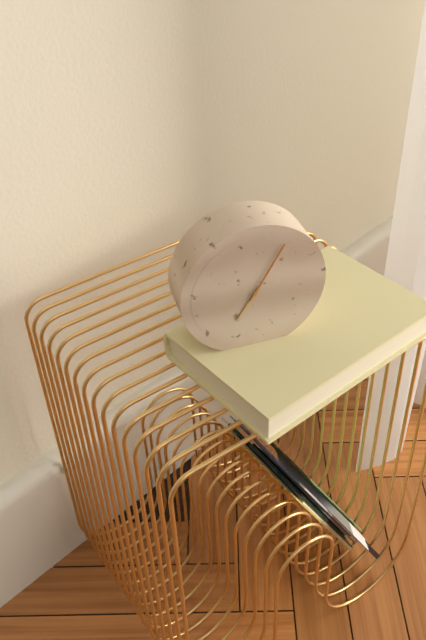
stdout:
{"hour": 7, "minute": 5}
